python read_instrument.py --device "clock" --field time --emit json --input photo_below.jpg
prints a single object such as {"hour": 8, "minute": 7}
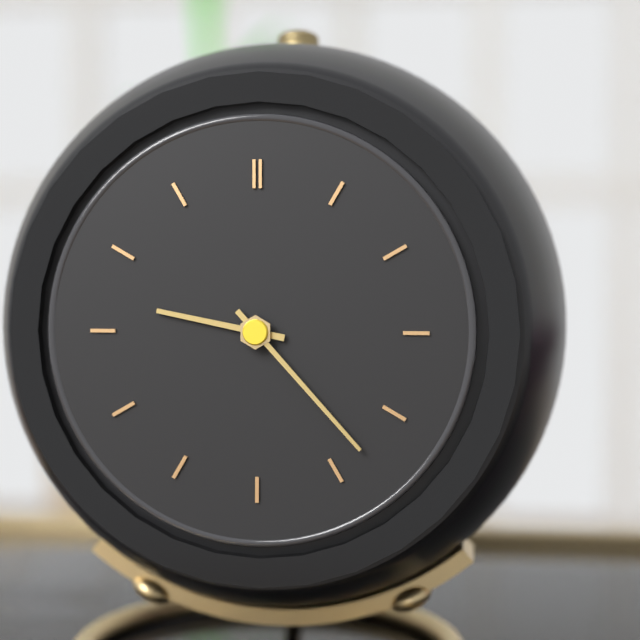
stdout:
{"hour": 9, "minute": 23}
